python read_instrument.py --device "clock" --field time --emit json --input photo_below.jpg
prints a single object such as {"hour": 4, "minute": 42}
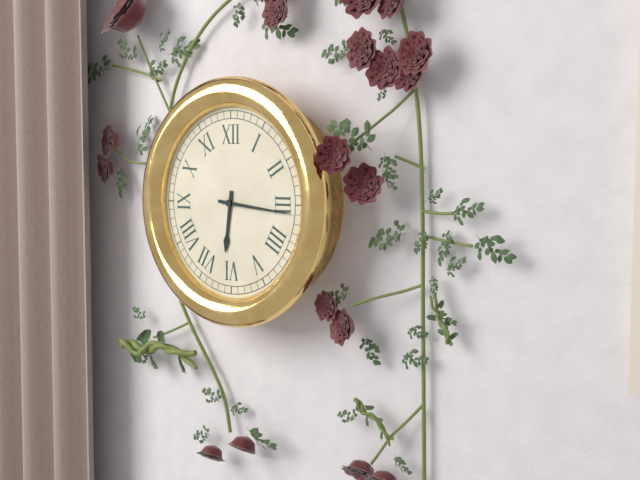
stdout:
{"hour": 6, "minute": 16}
